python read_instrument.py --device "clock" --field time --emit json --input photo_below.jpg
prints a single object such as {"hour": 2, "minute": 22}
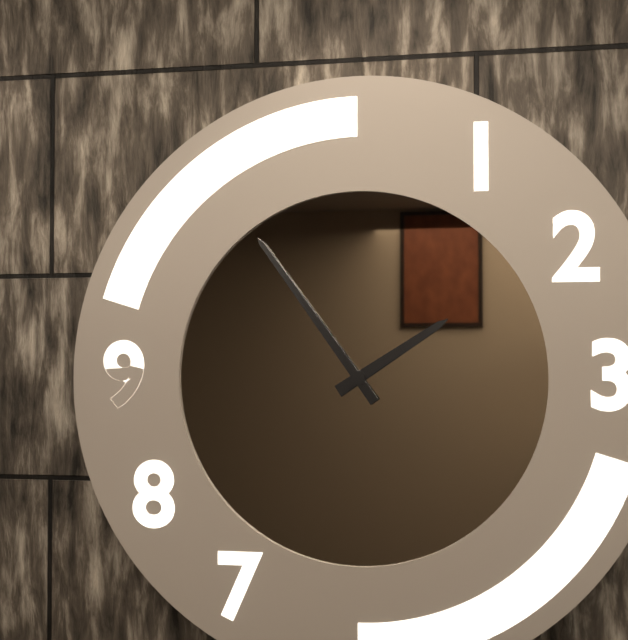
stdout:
{"hour": 1, "minute": 54}
